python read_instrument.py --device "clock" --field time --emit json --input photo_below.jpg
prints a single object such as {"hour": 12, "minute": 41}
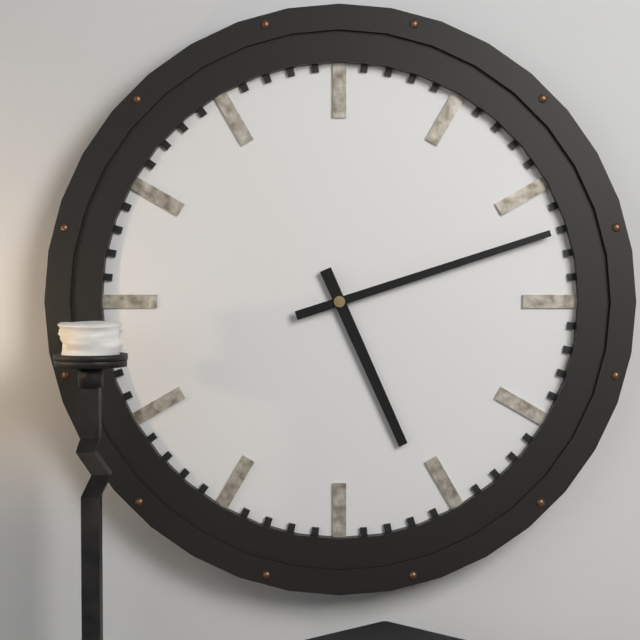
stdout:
{"hour": 5, "minute": 12}
